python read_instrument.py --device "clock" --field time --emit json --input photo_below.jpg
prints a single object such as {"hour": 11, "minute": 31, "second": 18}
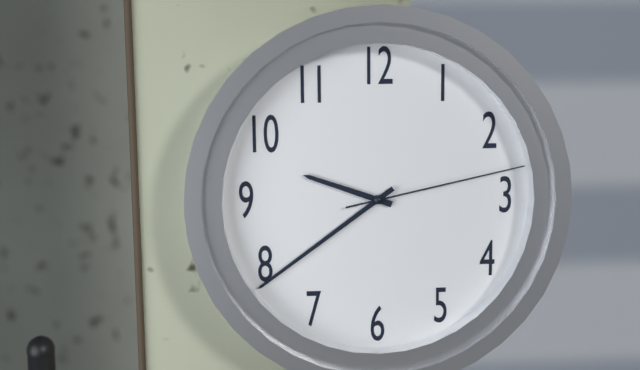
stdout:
{"hour": 9, "minute": 39, "second": 13}
